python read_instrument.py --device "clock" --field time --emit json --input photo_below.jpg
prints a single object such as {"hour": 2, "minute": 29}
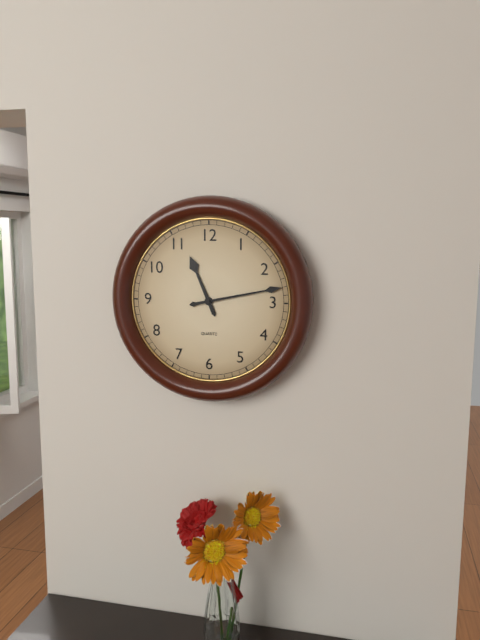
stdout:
{"hour": 11, "minute": 13}
